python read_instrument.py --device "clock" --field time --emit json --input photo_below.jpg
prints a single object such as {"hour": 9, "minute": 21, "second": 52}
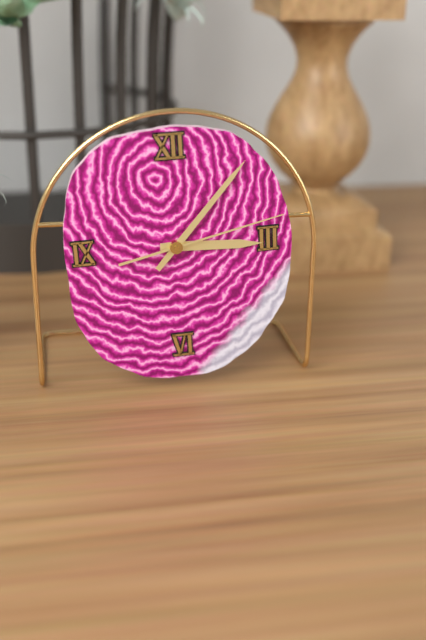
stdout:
{"hour": 3, "minute": 7, "second": 13}
